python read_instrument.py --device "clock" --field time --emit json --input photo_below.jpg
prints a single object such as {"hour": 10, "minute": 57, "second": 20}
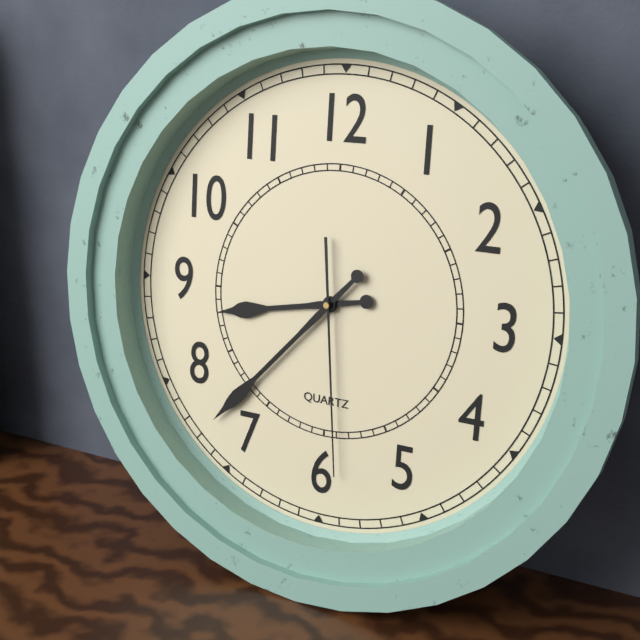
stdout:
{"hour": 8, "minute": 37, "second": 29}
